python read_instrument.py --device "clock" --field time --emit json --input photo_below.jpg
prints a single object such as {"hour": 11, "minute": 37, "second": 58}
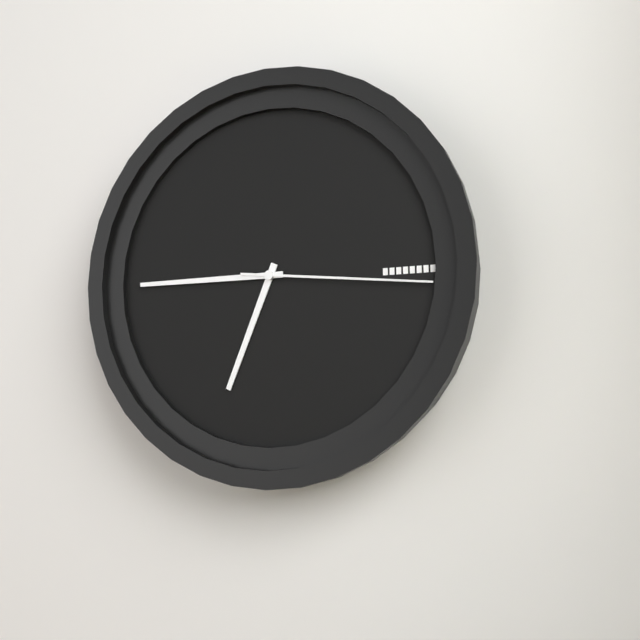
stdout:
{"hour": 6, "minute": 45, "second": 16}
